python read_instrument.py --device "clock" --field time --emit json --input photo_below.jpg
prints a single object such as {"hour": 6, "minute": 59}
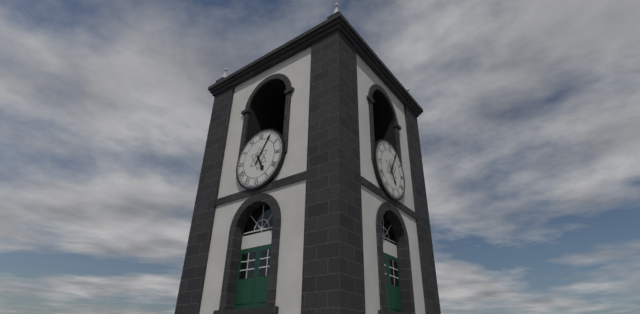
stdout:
{"hour": 5, "minute": 5}
